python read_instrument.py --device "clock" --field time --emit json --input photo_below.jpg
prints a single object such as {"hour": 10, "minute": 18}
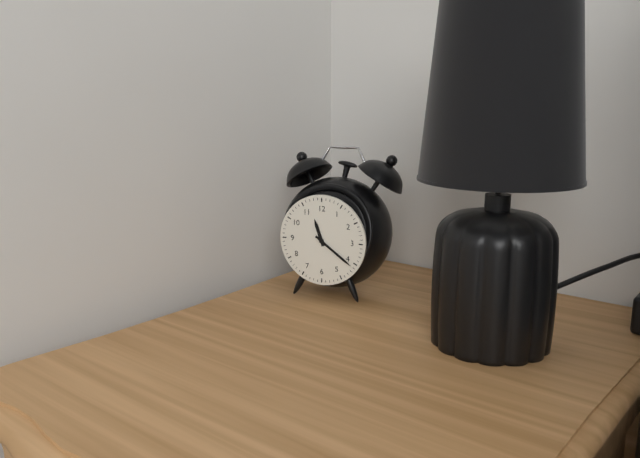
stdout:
{"hour": 11, "minute": 21}
